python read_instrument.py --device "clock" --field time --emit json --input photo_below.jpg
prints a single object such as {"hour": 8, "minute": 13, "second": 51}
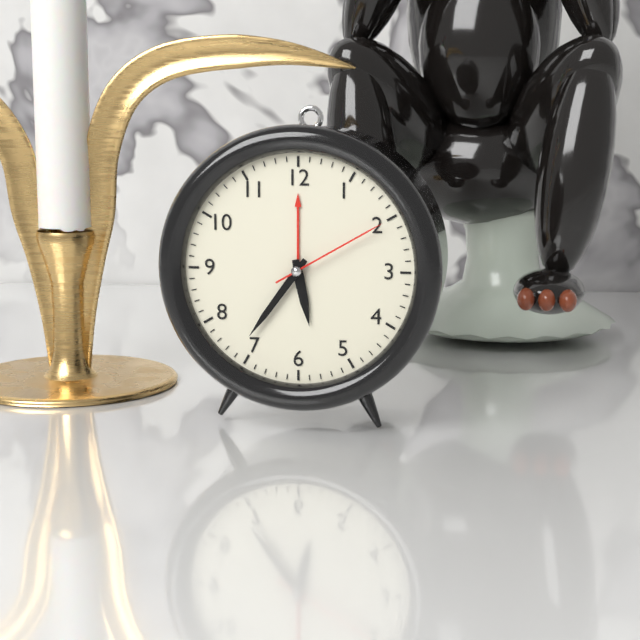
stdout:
{"hour": 5, "minute": 36, "second": 10}
